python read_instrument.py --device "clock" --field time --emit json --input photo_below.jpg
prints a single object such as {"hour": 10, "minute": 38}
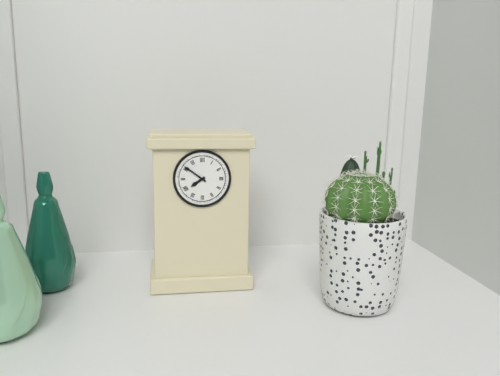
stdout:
{"hour": 7, "minute": 51}
